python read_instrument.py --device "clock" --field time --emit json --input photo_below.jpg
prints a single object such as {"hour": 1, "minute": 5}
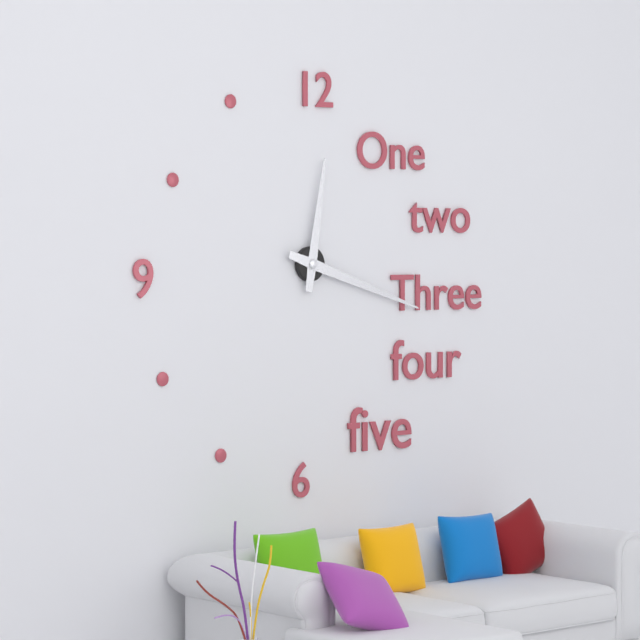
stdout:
{"hour": 12, "minute": 18}
